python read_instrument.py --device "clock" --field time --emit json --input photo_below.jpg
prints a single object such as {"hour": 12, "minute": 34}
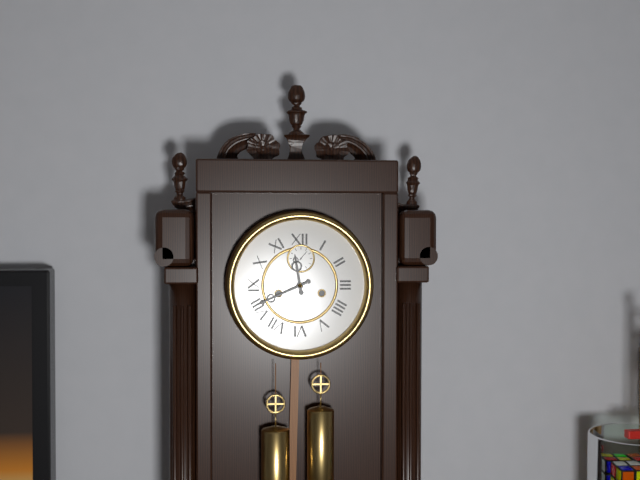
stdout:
{"hour": 11, "minute": 41}
